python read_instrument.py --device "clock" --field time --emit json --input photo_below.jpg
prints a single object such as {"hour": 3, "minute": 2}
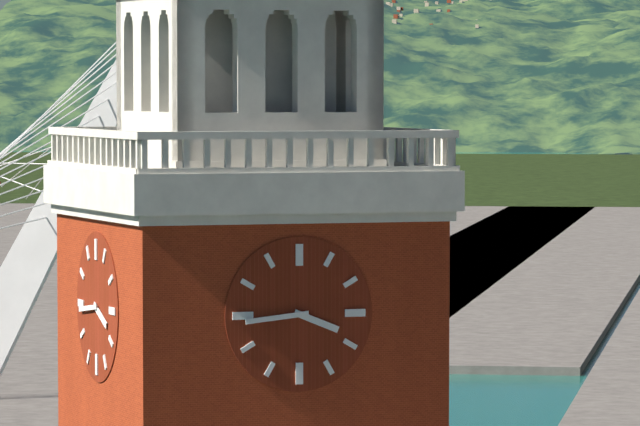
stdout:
{"hour": 3, "minute": 44}
